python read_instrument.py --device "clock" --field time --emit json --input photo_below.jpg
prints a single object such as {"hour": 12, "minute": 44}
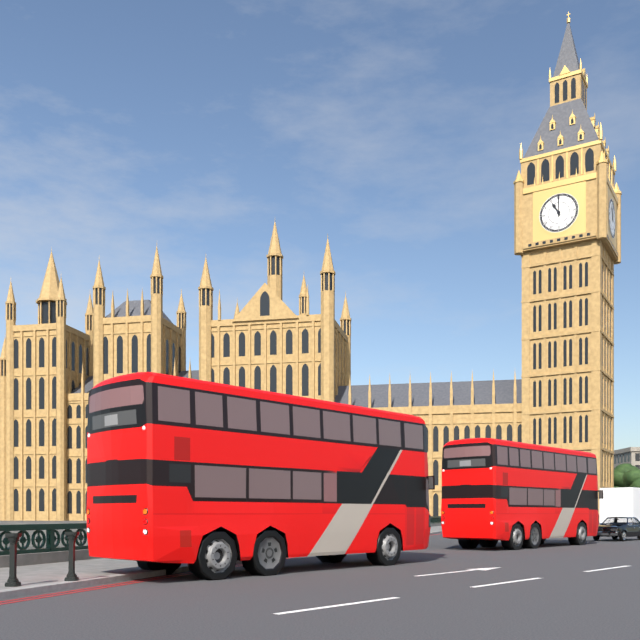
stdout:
{"hour": 11, "minute": 0}
